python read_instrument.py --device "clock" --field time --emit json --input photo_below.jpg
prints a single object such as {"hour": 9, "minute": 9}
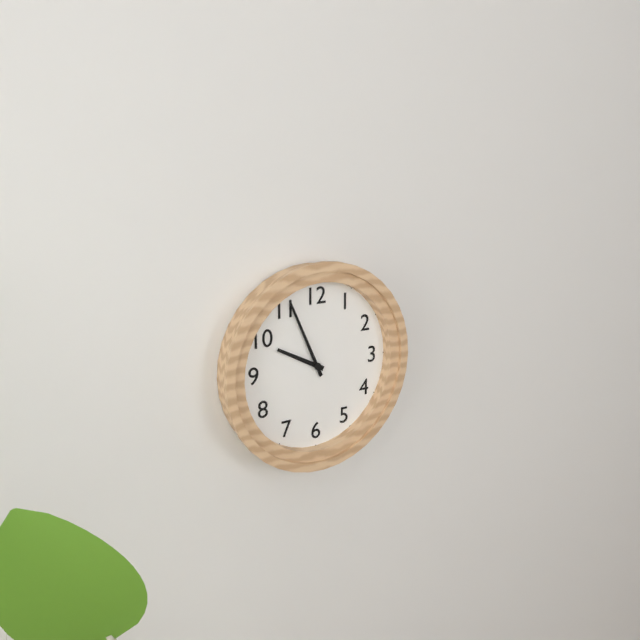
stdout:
{"hour": 9, "minute": 56}
